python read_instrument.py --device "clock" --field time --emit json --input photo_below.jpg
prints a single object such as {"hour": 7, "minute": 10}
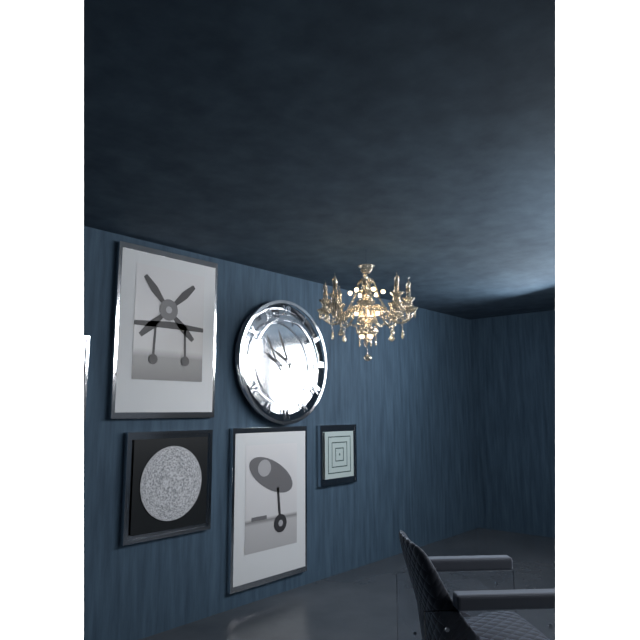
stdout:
{"hour": 9, "minute": 56}
